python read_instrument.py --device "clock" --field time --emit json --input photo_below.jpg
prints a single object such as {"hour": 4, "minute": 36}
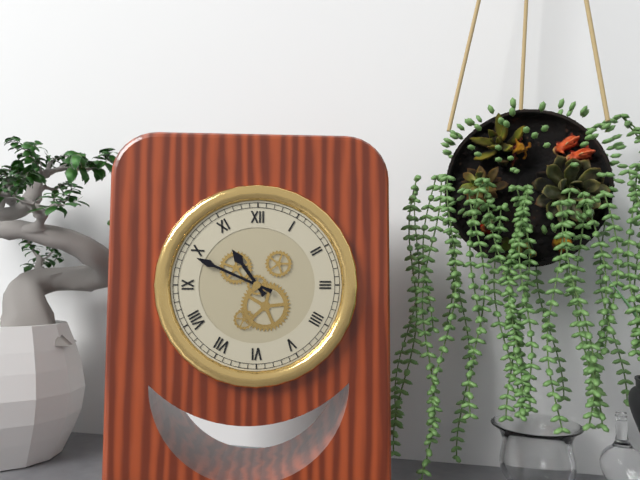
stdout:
{"hour": 10, "minute": 49}
